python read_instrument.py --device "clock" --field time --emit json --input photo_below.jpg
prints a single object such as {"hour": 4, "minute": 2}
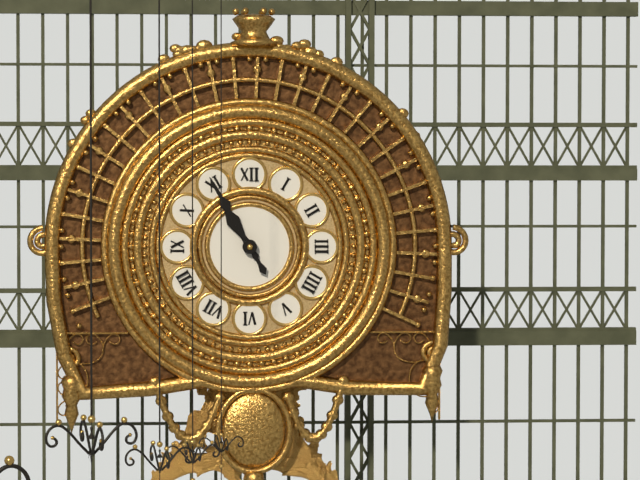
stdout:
{"hour": 10, "minute": 55}
